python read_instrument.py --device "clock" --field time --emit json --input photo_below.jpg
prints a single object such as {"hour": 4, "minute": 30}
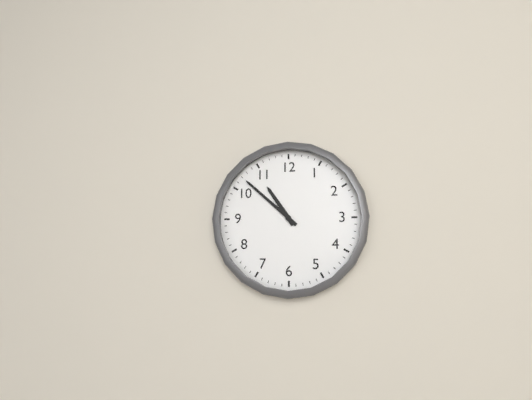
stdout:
{"hour": 10, "minute": 52}
